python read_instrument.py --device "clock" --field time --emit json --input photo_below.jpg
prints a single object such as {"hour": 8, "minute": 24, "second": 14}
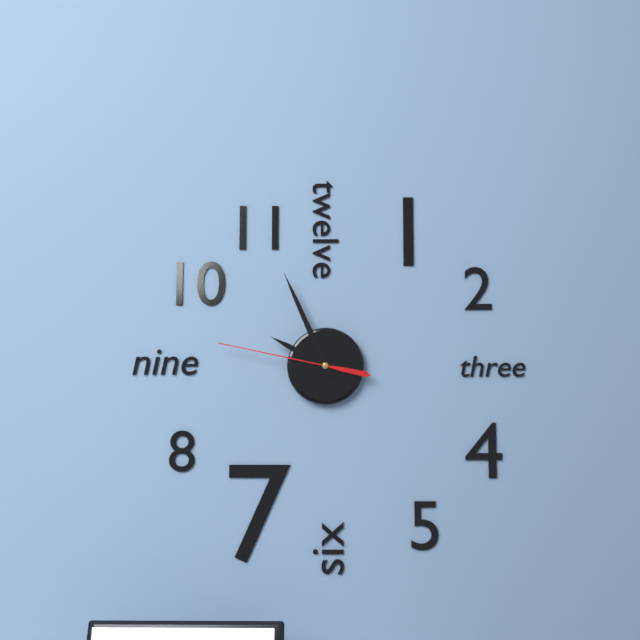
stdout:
{"hour": 9, "minute": 56, "second": 47}
